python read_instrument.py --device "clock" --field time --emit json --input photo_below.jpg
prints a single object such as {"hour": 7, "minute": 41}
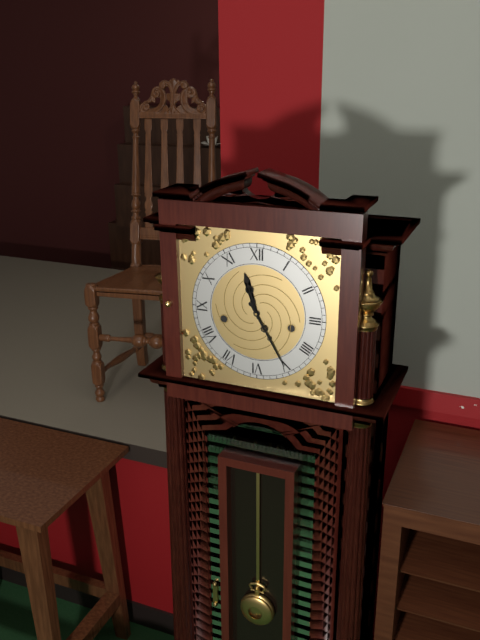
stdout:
{"hour": 11, "minute": 25}
